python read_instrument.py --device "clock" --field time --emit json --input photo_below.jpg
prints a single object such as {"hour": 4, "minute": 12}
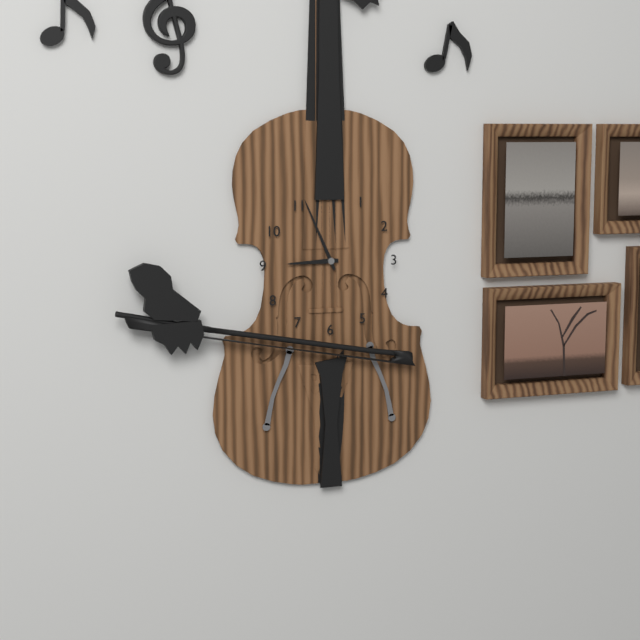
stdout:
{"hour": 8, "minute": 56}
